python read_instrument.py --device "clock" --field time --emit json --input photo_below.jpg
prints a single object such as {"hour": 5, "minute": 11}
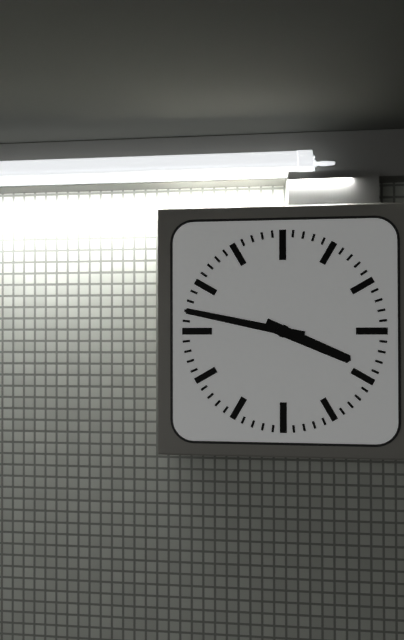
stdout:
{"hour": 3, "minute": 47}
